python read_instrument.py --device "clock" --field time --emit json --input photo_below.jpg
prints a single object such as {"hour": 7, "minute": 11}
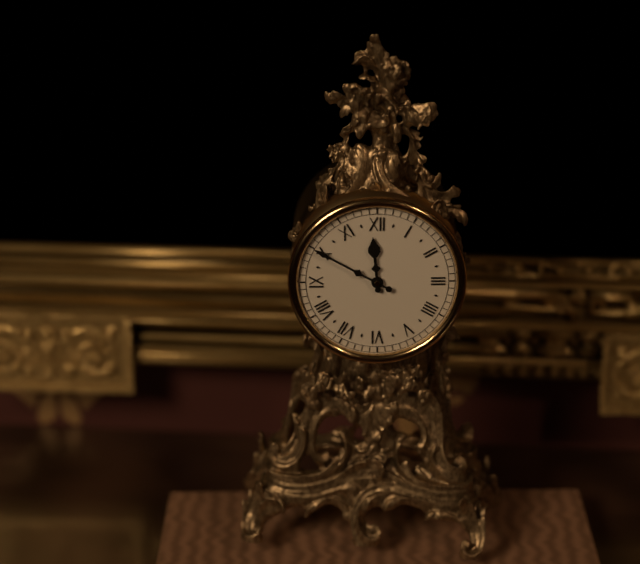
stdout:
{"hour": 11, "minute": 50}
